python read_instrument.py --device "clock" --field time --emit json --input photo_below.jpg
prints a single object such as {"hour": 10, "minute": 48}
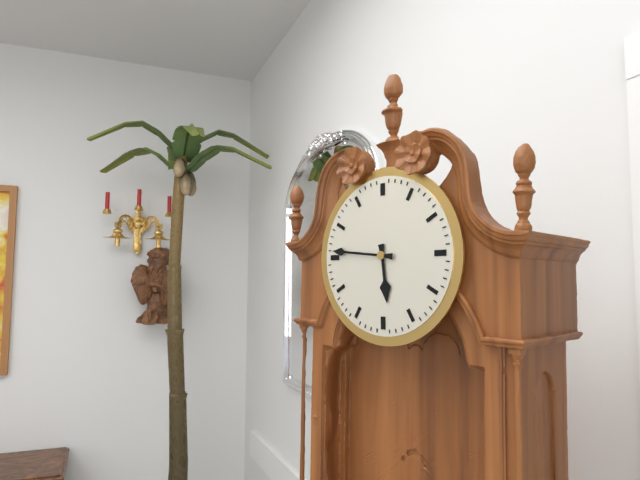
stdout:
{"hour": 5, "minute": 46}
